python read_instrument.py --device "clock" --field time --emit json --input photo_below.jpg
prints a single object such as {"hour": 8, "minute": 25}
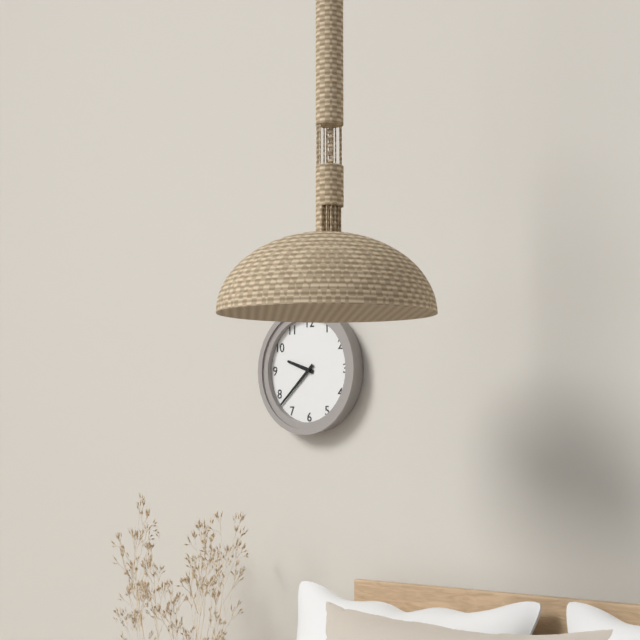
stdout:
{"hour": 9, "minute": 38}
